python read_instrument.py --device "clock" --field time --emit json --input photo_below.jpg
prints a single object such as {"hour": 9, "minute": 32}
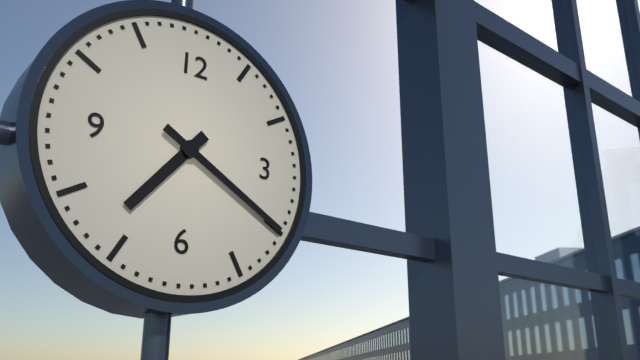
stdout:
{"hour": 7, "minute": 20}
